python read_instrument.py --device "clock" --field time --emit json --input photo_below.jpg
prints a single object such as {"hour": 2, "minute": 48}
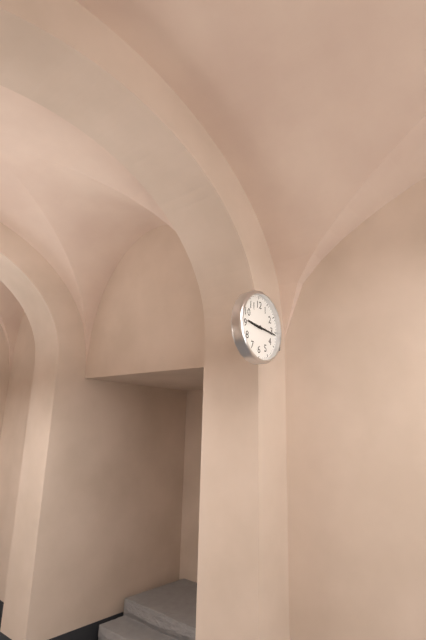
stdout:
{"hour": 9, "minute": 16}
